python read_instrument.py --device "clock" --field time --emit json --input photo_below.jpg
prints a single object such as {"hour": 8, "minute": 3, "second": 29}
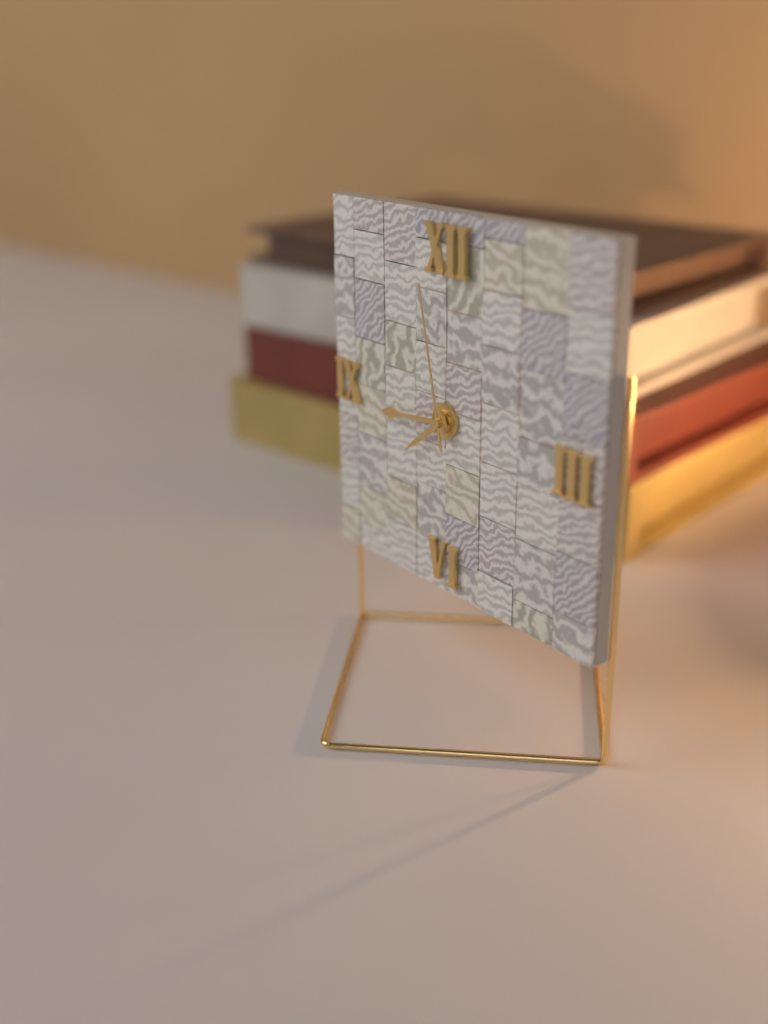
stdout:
{"hour": 7, "minute": 44, "second": 58}
